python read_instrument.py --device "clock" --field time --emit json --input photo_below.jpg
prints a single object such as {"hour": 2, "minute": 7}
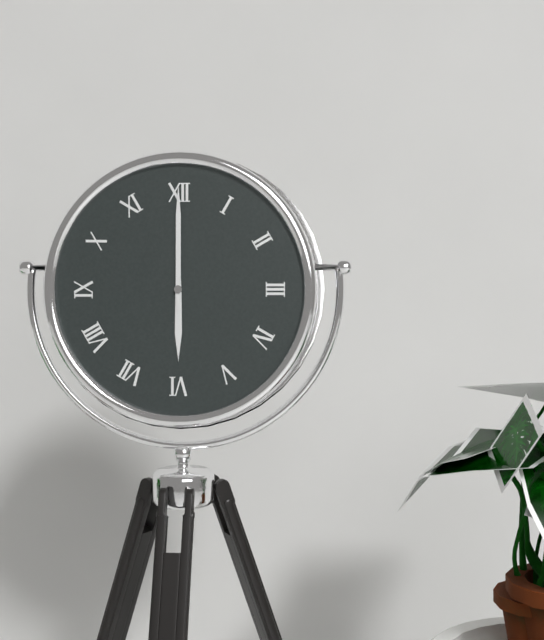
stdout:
{"hour": 6, "minute": 0}
